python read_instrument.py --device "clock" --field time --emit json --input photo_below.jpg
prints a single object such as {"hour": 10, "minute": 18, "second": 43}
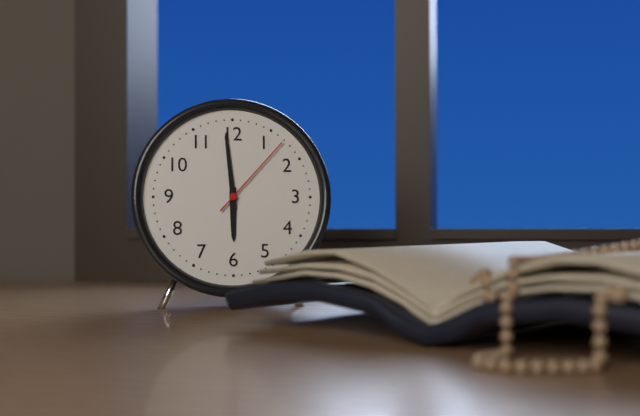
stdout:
{"hour": 5, "minute": 59, "second": 7}
